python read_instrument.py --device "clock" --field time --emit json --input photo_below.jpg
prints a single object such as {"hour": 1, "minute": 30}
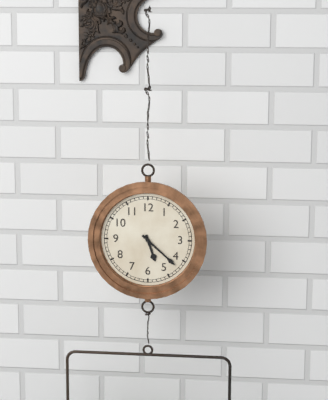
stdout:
{"hour": 5, "minute": 22}
